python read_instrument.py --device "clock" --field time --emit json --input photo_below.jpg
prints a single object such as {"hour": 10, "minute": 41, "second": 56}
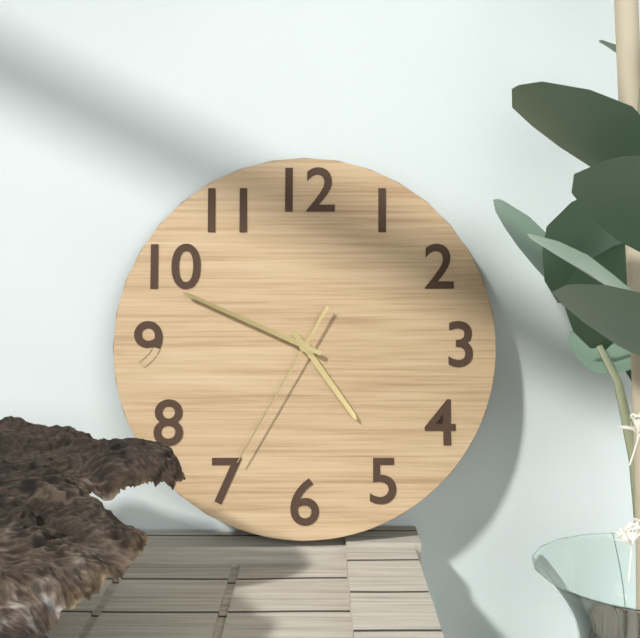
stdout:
{"hour": 4, "minute": 49, "second": 35}
